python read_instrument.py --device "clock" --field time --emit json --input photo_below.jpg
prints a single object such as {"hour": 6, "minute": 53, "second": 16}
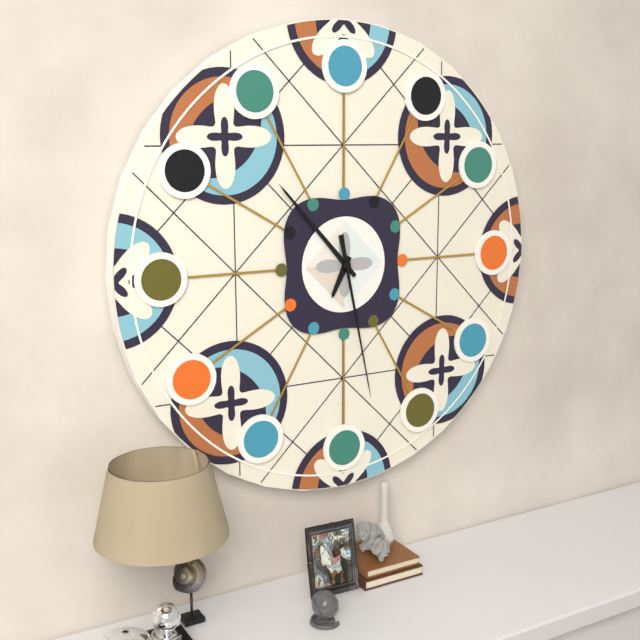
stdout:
{"hour": 6, "minute": 53, "second": 28}
